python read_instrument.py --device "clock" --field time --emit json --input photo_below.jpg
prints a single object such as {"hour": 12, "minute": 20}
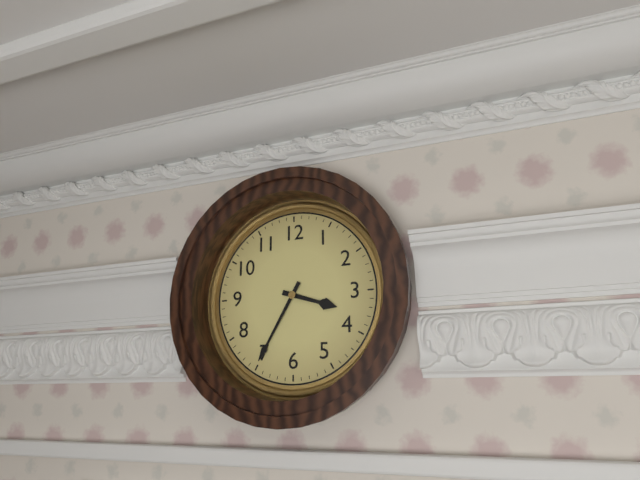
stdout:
{"hour": 3, "minute": 35}
